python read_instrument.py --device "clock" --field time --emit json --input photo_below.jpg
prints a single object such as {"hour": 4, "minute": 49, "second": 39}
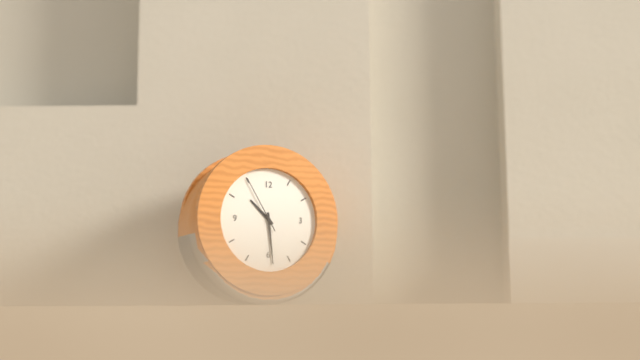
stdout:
{"hour": 10, "minute": 29, "second": 55}
